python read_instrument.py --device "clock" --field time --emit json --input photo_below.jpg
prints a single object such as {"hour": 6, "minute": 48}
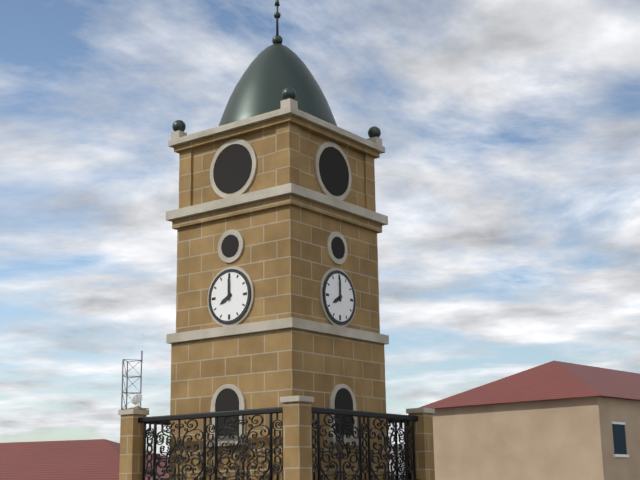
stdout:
{"hour": 8, "minute": 0}
